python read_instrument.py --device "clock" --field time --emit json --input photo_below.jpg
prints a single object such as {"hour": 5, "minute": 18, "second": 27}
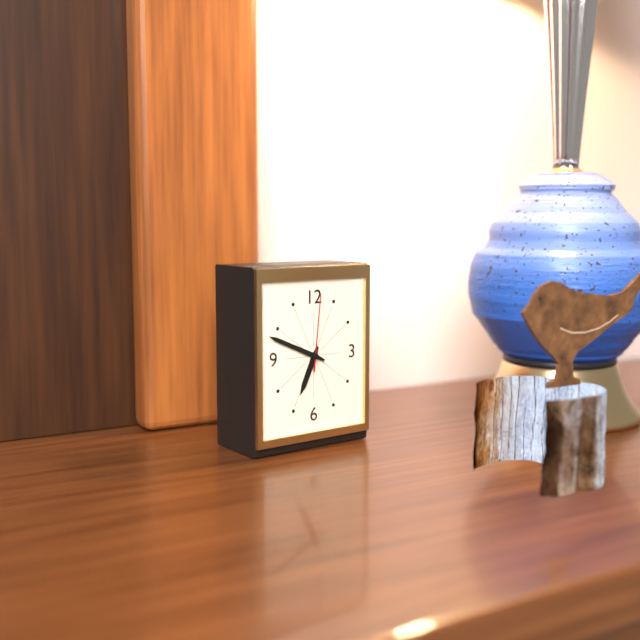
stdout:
{"hour": 6, "minute": 49, "second": 1}
